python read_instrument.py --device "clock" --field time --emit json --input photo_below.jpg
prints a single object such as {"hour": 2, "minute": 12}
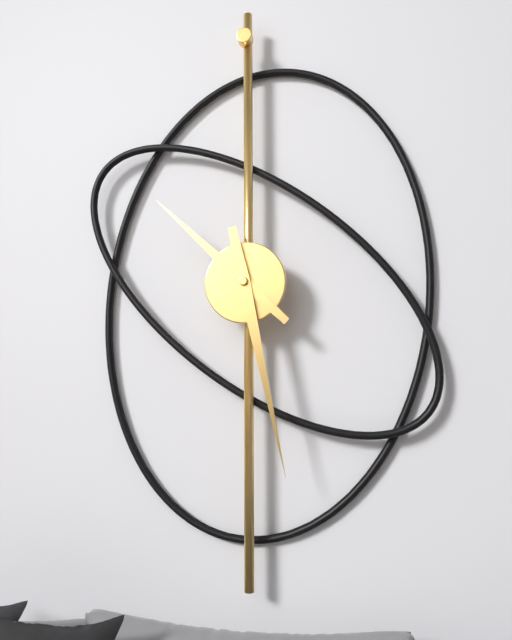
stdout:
{"hour": 10, "minute": 28}
